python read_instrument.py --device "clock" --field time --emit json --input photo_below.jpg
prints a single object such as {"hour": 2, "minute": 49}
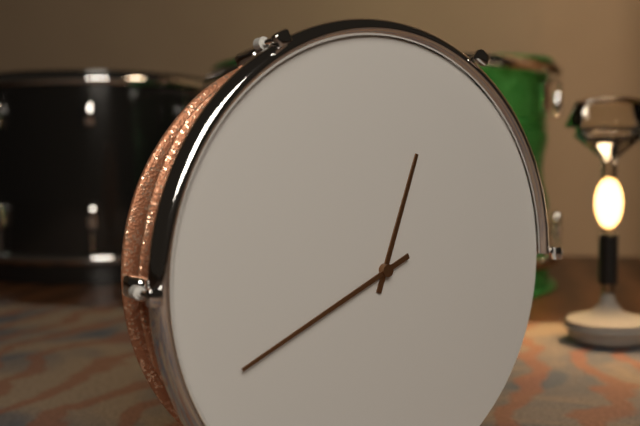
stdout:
{"hour": 12, "minute": 41}
